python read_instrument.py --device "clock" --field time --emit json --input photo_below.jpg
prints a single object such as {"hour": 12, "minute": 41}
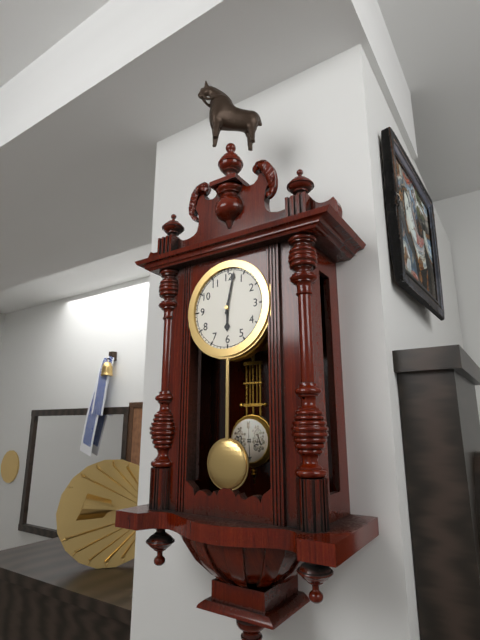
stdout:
{"hour": 6, "minute": 2}
